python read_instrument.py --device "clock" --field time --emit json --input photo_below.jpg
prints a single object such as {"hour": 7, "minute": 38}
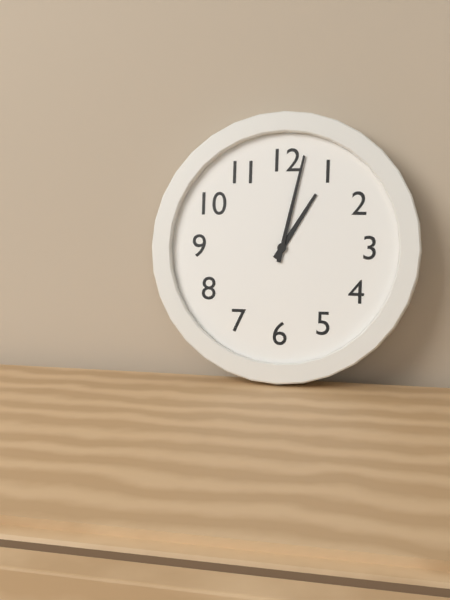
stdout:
{"hour": 1, "minute": 2}
